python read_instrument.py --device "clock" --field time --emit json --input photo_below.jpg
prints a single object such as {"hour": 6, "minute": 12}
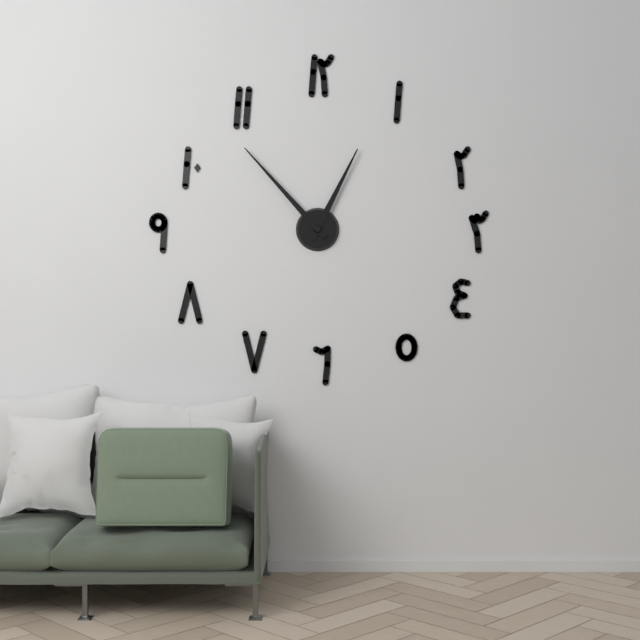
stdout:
{"hour": 12, "minute": 53}
